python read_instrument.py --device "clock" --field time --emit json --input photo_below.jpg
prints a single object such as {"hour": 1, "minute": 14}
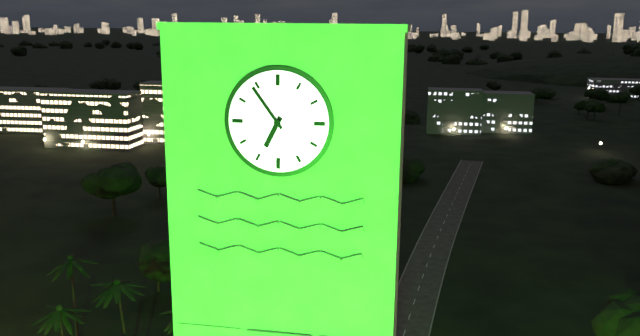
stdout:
{"hour": 6, "minute": 54}
